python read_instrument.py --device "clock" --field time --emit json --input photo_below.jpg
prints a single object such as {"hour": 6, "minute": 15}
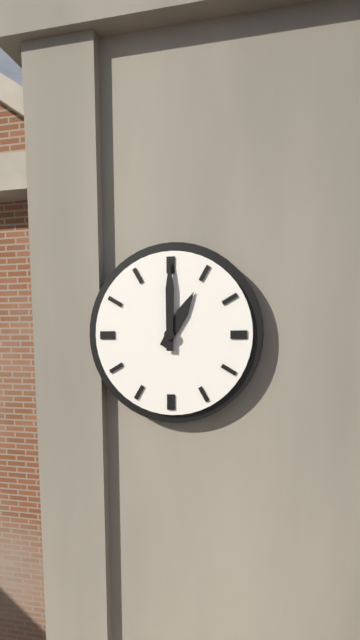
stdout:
{"hour": 1, "minute": 0}
